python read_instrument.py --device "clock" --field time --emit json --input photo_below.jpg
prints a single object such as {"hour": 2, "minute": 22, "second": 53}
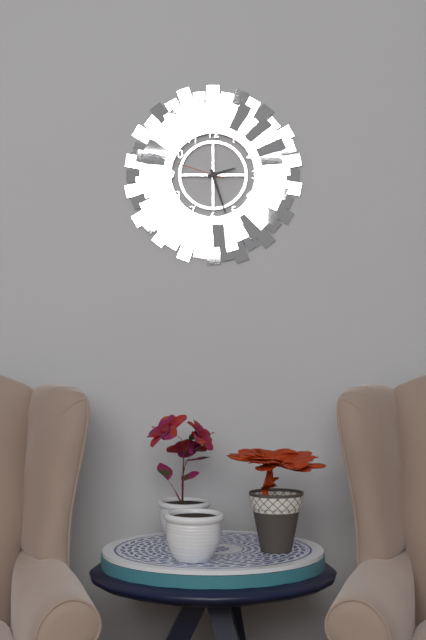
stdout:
{"hour": 2, "minute": 27, "second": 48}
